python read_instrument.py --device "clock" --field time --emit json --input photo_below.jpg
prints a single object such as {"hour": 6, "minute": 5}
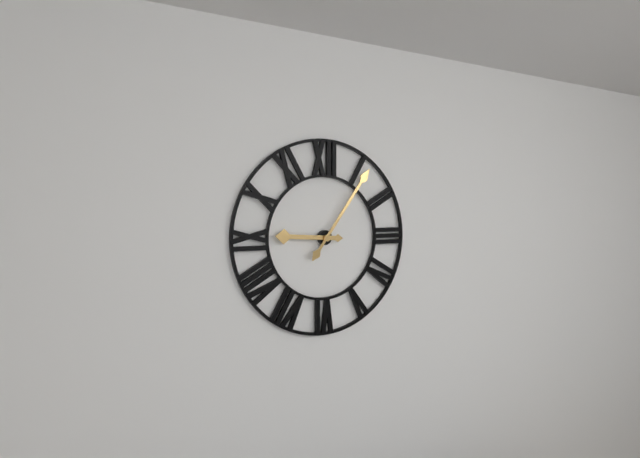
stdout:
{"hour": 9, "minute": 6}
